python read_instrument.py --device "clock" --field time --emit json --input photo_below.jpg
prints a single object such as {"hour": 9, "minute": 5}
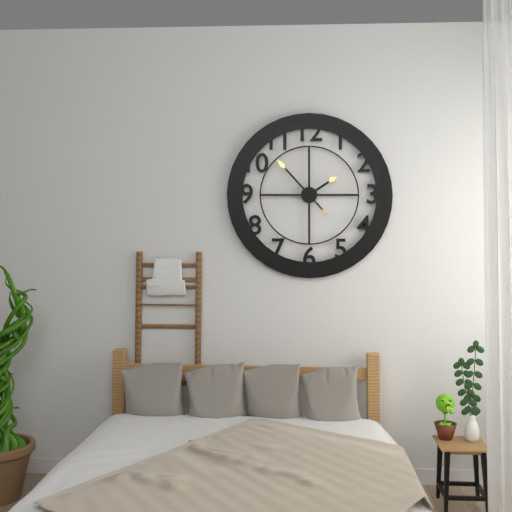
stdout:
{"hour": 1, "minute": 53}
